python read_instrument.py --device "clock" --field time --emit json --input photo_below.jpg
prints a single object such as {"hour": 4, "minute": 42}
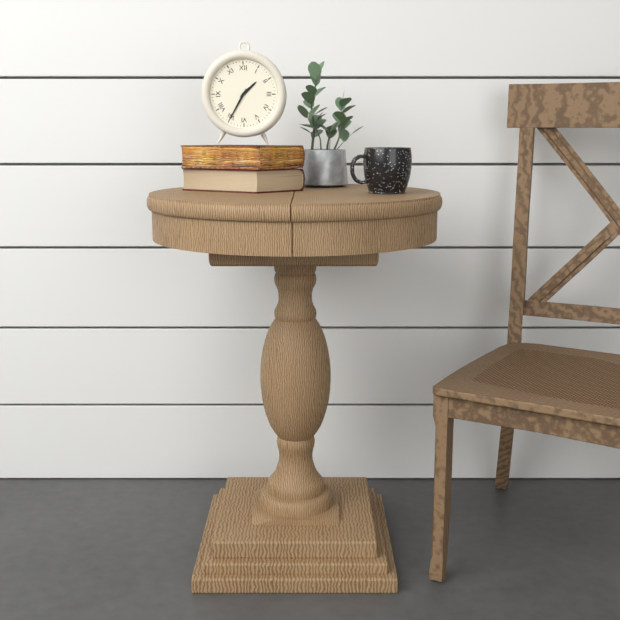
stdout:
{"hour": 1, "minute": 35}
